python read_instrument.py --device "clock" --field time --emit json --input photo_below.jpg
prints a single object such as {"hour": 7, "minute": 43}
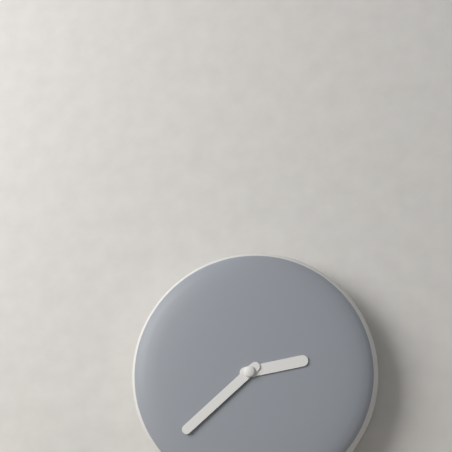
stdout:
{"hour": 2, "minute": 38}
